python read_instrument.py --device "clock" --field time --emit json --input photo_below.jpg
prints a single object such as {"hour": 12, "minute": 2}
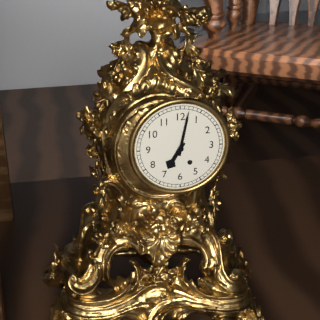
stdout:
{"hour": 7, "minute": 2}
